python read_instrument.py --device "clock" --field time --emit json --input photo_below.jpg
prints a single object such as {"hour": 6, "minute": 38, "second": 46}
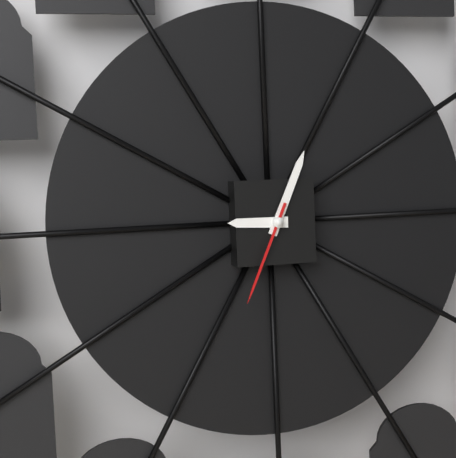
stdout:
{"hour": 9, "minute": 4, "second": 34}
